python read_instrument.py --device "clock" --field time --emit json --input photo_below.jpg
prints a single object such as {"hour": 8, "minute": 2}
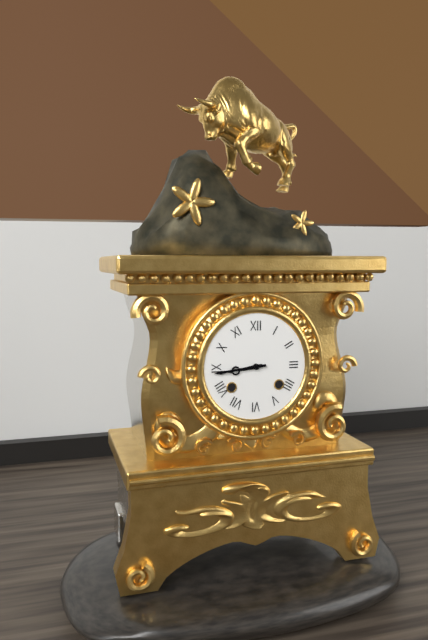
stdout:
{"hour": 8, "minute": 44}
